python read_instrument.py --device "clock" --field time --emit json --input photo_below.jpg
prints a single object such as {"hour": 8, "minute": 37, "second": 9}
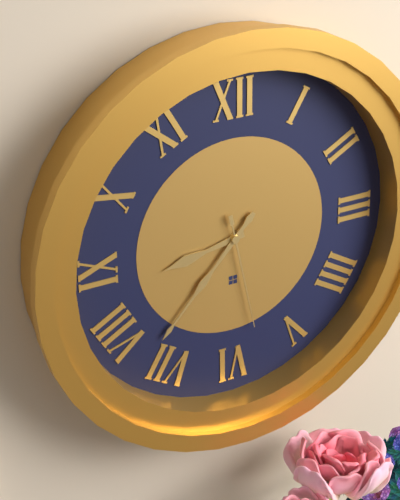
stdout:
{"hour": 8, "minute": 37, "second": 28}
